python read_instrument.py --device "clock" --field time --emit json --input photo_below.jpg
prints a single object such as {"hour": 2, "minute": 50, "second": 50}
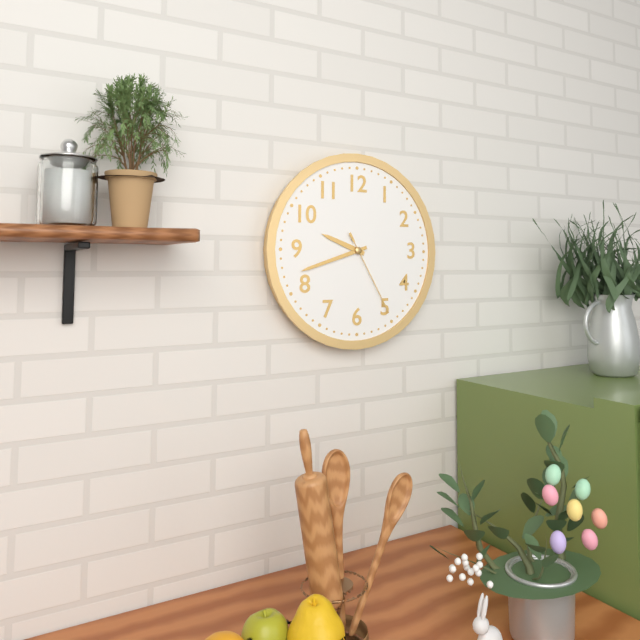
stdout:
{"hour": 9, "minute": 42, "second": 25}
